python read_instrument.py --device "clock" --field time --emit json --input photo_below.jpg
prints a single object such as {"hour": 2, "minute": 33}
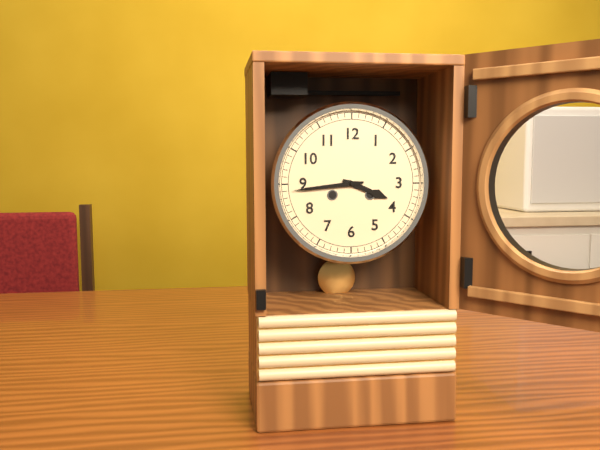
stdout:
{"hour": 3, "minute": 44}
